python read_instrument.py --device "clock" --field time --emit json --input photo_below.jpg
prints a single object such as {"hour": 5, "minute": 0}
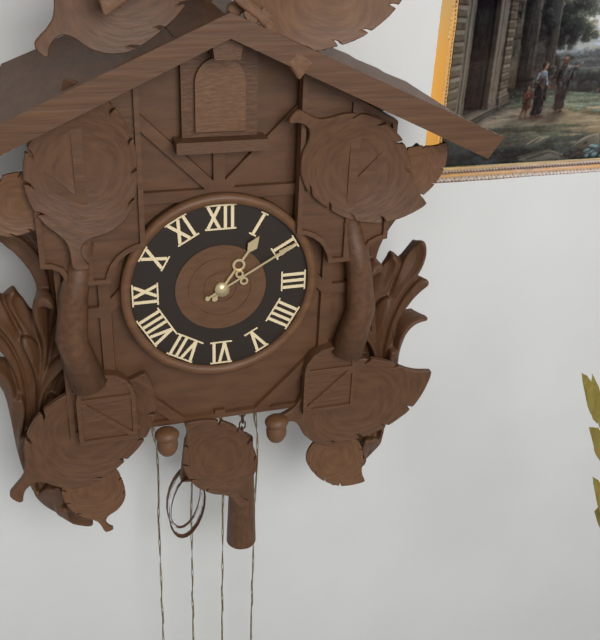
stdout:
{"hour": 1, "minute": 10}
